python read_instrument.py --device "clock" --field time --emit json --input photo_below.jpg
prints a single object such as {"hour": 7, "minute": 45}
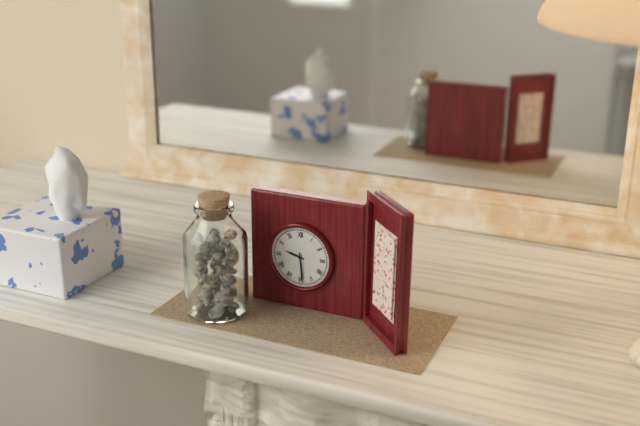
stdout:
{"hour": 9, "minute": 29}
